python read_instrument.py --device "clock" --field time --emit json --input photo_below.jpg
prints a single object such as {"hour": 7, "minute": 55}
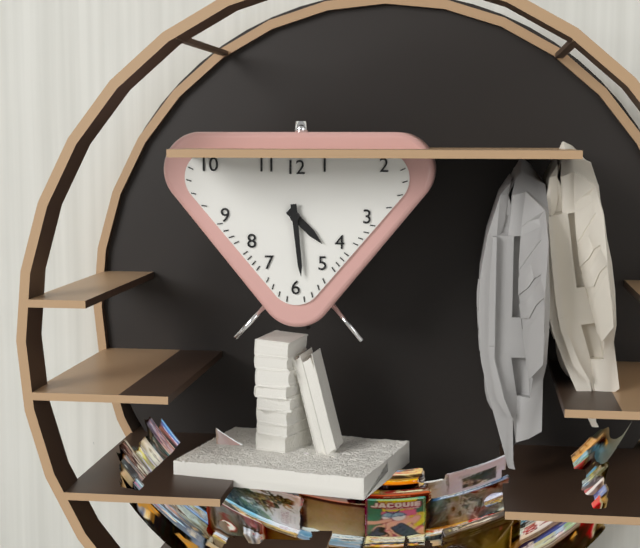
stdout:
{"hour": 4, "minute": 29}
